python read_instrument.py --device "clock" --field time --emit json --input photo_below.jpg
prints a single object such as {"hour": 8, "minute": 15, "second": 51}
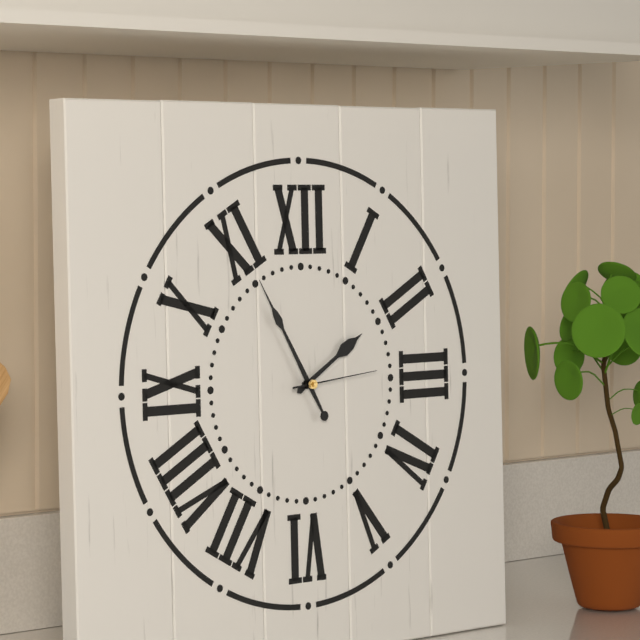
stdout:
{"hour": 1, "minute": 55, "second": 14}
